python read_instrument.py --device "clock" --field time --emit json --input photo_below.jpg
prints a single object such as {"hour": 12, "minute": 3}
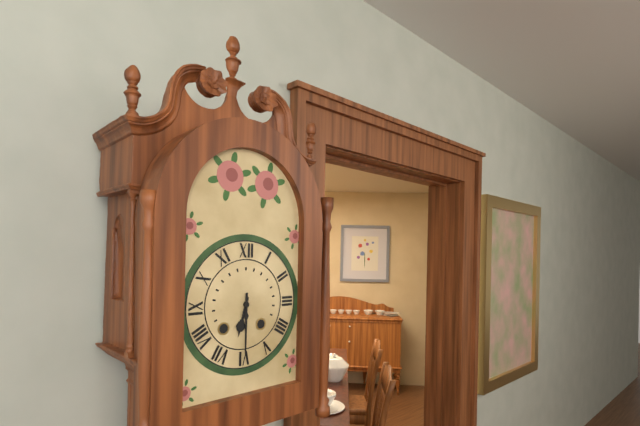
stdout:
{"hour": 6, "minute": 30}
